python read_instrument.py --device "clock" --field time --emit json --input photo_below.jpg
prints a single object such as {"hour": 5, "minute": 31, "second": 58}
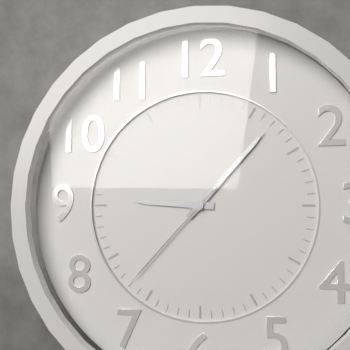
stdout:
{"hour": 9, "minute": 7, "second": 37}
